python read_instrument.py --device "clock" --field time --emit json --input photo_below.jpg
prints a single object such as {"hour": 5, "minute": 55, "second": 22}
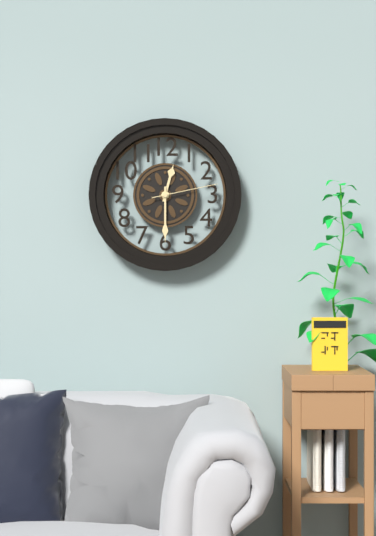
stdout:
{"hour": 12, "minute": 30, "second": 13}
